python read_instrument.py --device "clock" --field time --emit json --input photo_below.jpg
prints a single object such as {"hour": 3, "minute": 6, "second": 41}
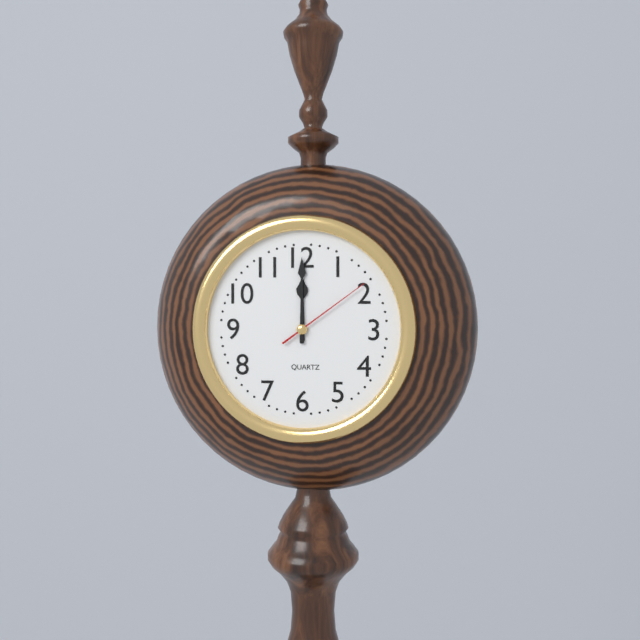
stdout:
{"hour": 12, "minute": 0, "second": 9}
